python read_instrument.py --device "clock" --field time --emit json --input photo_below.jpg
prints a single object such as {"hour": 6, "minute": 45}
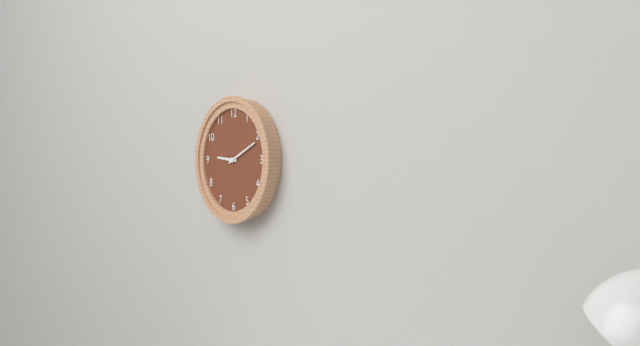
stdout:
{"hour": 9, "minute": 11}
